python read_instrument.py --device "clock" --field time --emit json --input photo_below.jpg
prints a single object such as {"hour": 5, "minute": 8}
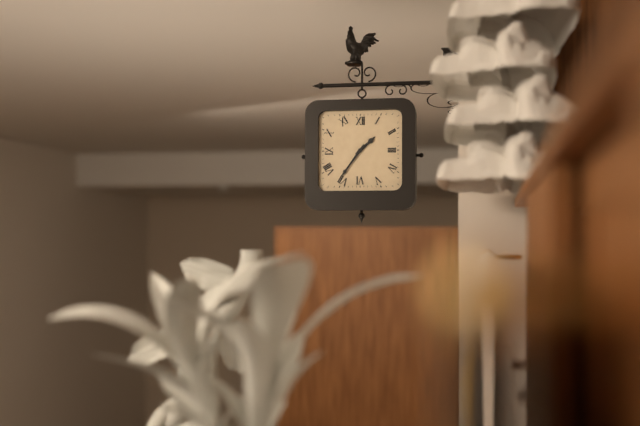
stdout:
{"hour": 1, "minute": 36}
